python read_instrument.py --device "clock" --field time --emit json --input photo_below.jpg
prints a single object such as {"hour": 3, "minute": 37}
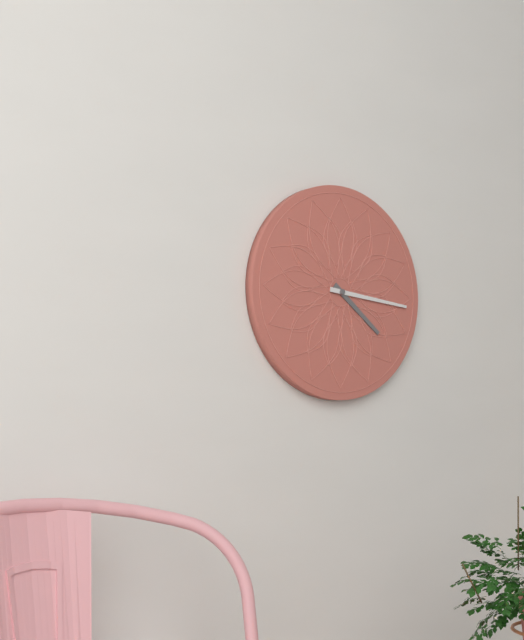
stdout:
{"hour": 4, "minute": 16}
